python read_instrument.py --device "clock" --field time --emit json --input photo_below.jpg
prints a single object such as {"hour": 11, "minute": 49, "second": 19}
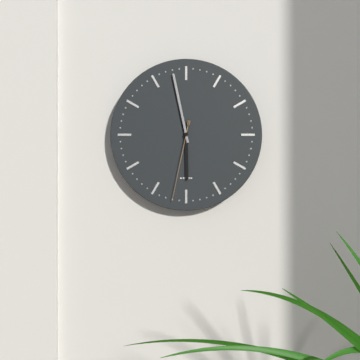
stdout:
{"hour": 5, "minute": 58, "second": 32}
